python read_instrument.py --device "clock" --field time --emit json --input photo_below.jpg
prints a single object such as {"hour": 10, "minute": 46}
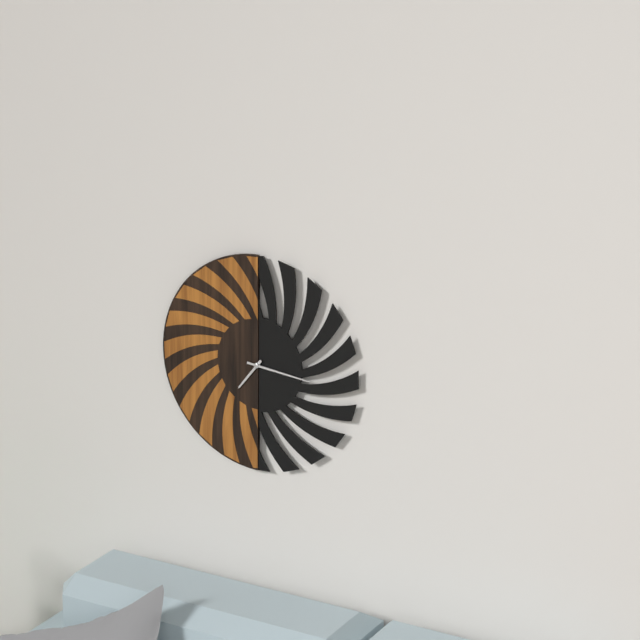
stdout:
{"hour": 7, "minute": 16}
